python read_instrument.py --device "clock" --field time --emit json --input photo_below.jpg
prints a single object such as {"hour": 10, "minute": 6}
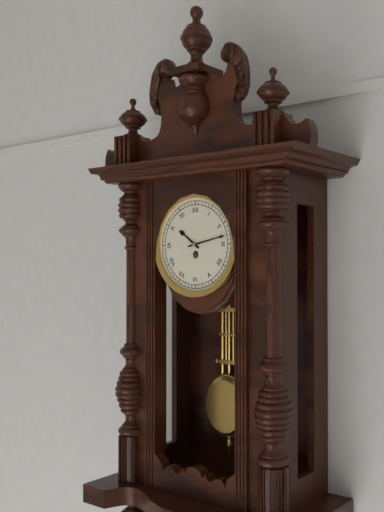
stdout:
{"hour": 10, "minute": 13}
